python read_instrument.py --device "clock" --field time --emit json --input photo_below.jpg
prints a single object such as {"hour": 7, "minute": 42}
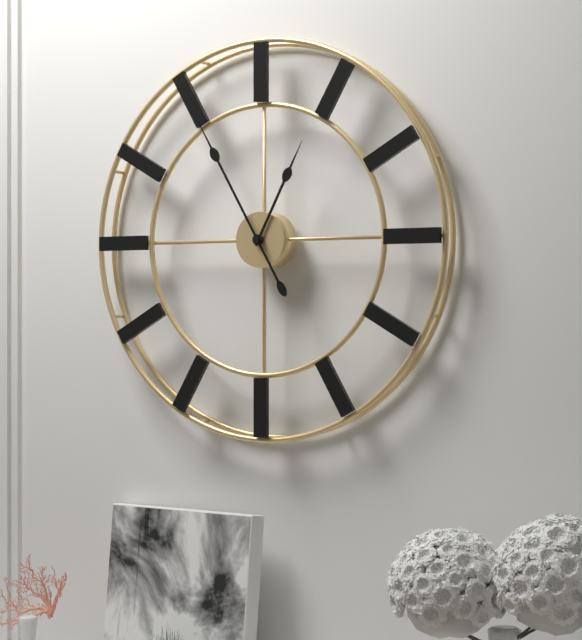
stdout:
{"hour": 12, "minute": 55}
